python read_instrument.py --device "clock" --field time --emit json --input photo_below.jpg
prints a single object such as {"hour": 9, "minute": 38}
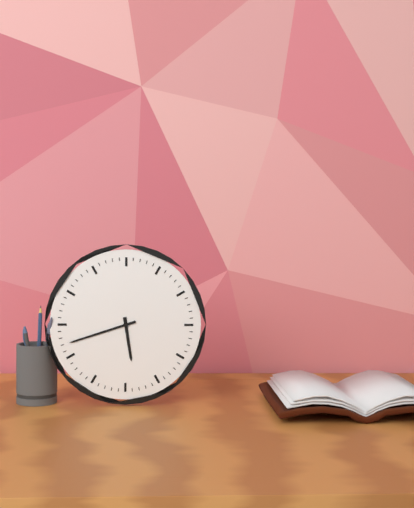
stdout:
{"hour": 5, "minute": 42}
